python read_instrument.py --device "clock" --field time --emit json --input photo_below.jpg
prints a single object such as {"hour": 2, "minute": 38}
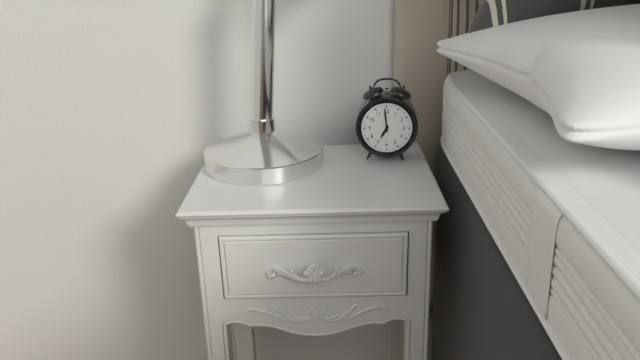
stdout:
{"hour": 6, "minute": 59}
